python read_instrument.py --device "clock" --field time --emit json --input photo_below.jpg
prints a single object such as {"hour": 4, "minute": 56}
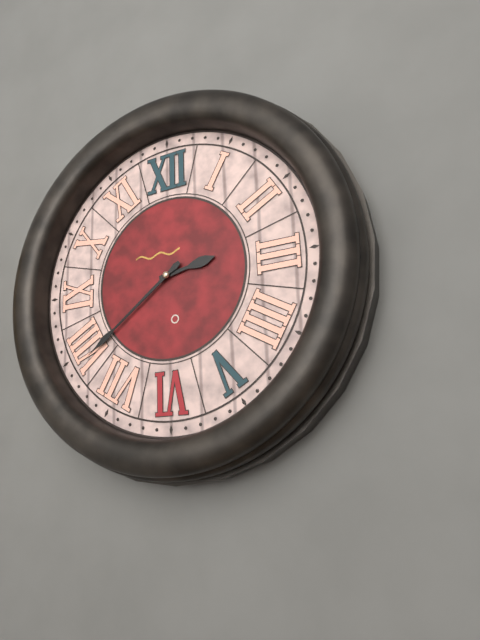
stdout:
{"hour": 2, "minute": 39}
